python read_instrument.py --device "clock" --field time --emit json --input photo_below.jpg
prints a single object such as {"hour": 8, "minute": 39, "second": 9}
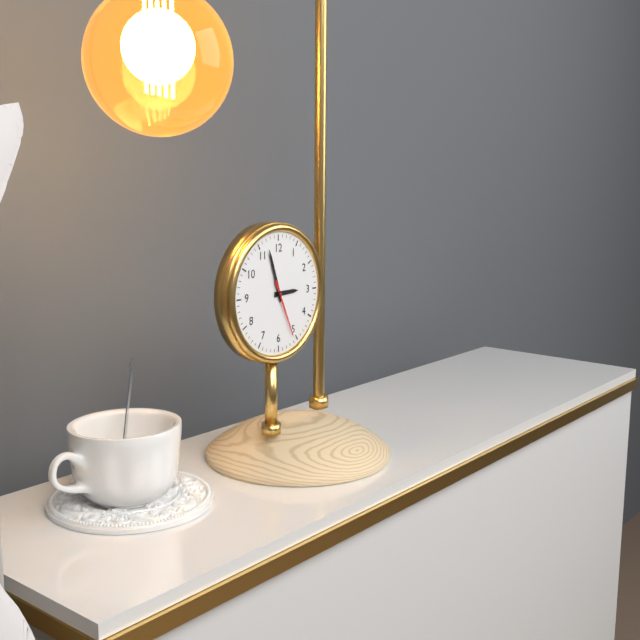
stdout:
{"hour": 2, "minute": 57, "second": 26}
